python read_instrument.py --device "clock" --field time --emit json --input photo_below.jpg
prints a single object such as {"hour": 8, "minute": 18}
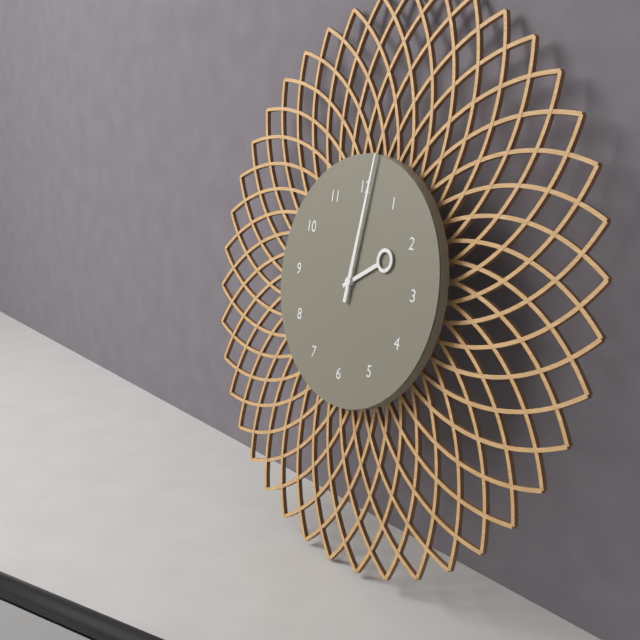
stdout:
{"hour": 2, "minute": 1}
